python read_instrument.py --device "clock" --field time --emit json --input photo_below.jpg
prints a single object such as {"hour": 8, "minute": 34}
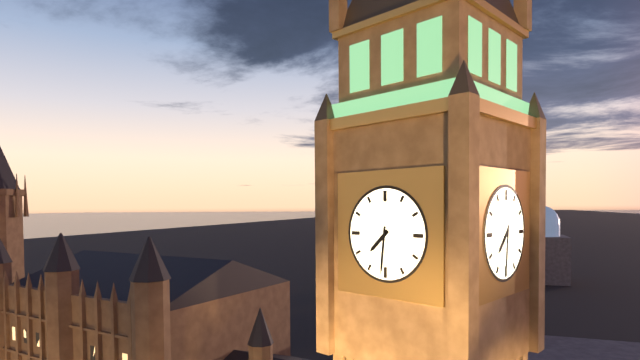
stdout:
{"hour": 7, "minute": 31}
